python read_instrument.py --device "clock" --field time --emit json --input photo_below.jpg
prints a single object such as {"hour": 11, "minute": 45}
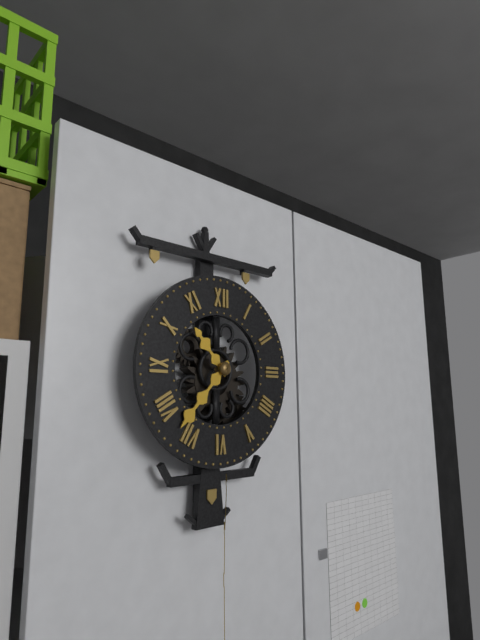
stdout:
{"hour": 10, "minute": 37}
